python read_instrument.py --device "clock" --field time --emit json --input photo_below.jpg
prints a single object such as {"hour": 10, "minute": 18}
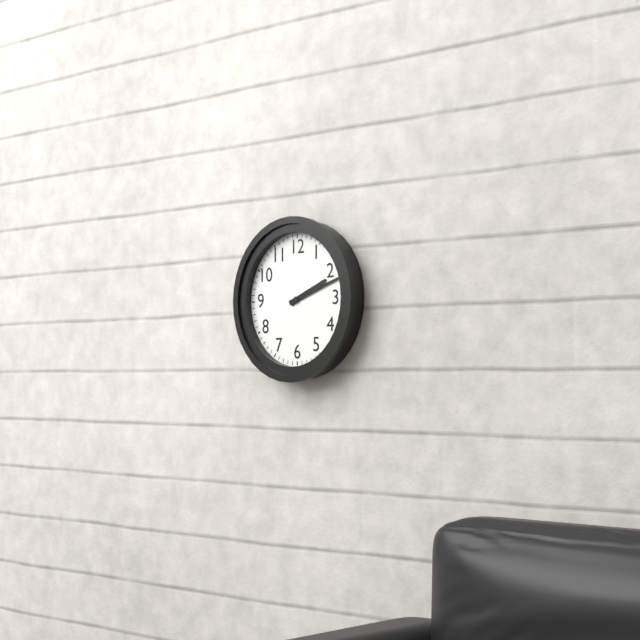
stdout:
{"hour": 2, "minute": 12}
